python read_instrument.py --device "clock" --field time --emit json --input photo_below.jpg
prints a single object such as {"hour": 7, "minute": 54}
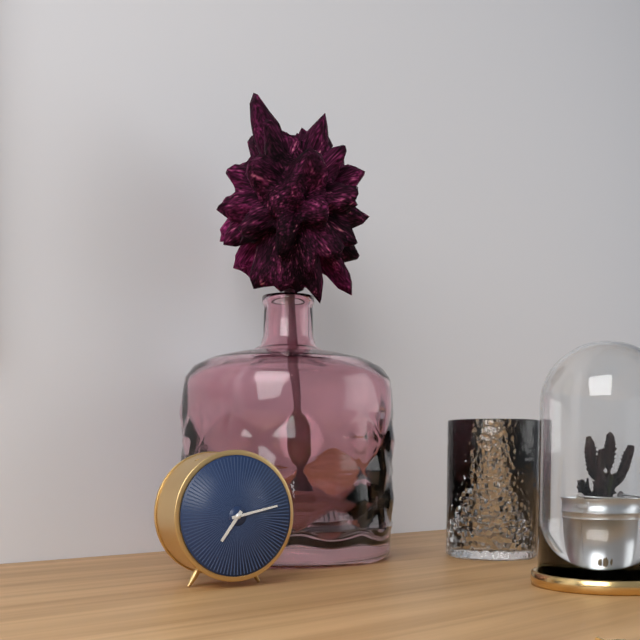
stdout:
{"hour": 7, "minute": 13}
